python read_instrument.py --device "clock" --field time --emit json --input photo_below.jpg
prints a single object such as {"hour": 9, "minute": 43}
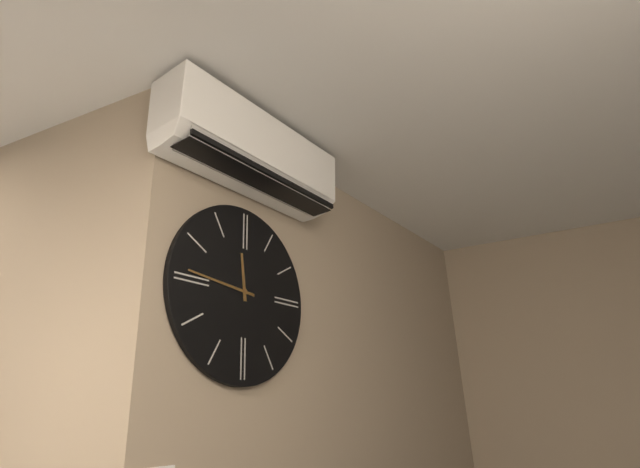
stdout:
{"hour": 11, "minute": 46}
